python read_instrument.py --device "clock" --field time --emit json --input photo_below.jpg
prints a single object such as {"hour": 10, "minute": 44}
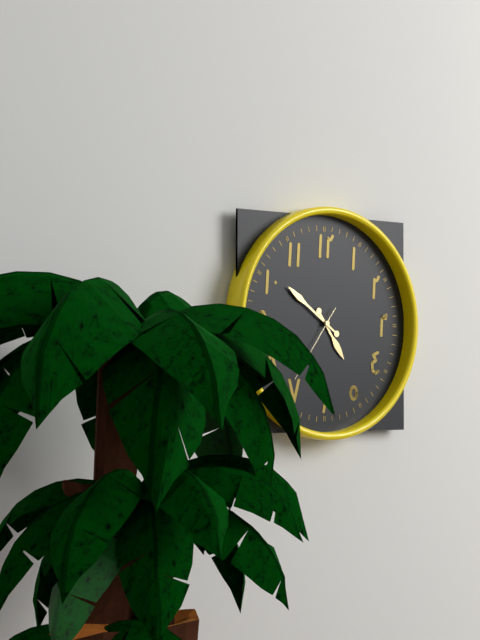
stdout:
{"hour": 4, "minute": 51}
